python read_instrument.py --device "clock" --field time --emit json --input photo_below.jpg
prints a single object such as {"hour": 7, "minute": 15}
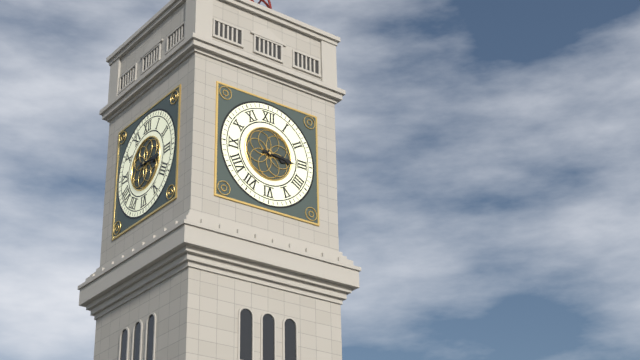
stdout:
{"hour": 3, "minute": 16}
